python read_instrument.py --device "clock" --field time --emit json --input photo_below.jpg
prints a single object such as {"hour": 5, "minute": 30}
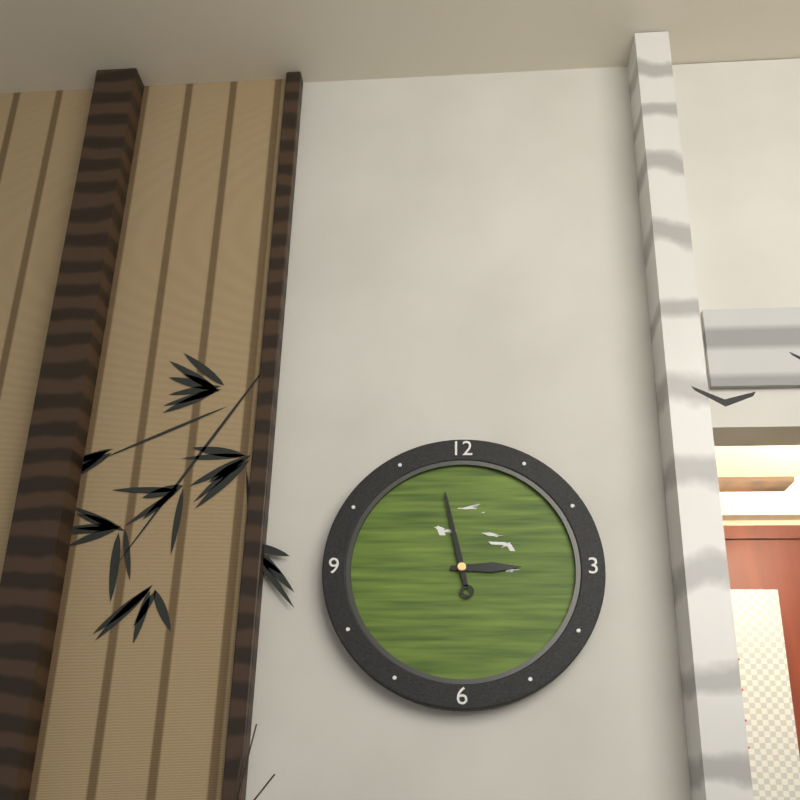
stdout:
{"hour": 2, "minute": 58}
